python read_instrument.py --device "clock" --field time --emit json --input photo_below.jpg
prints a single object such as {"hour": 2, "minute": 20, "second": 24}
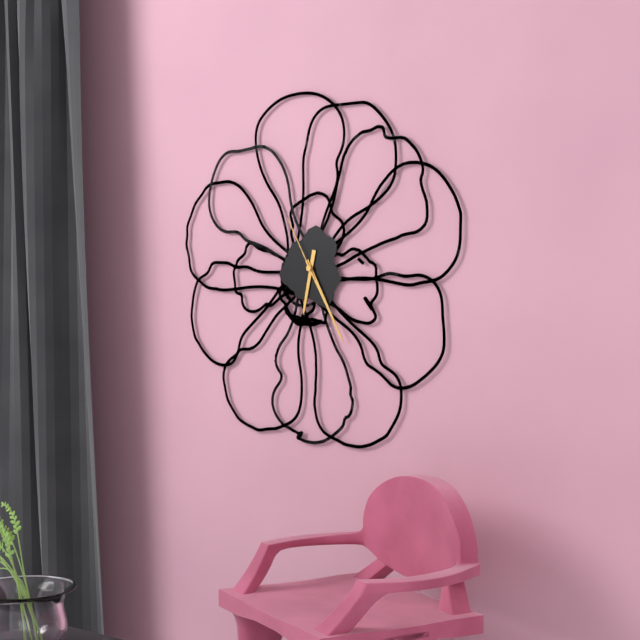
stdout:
{"hour": 6, "minute": 25, "second": 55}
